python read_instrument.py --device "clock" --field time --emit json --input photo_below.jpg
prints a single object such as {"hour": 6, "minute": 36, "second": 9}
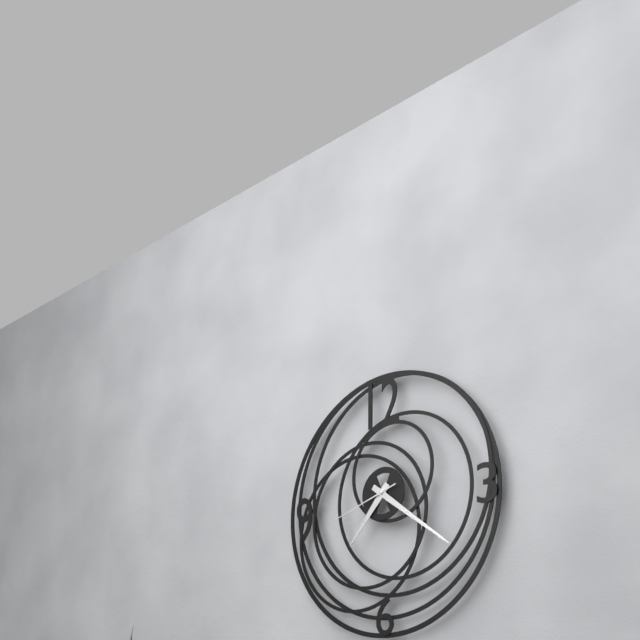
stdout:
{"hour": 7, "minute": 21, "second": 42}
